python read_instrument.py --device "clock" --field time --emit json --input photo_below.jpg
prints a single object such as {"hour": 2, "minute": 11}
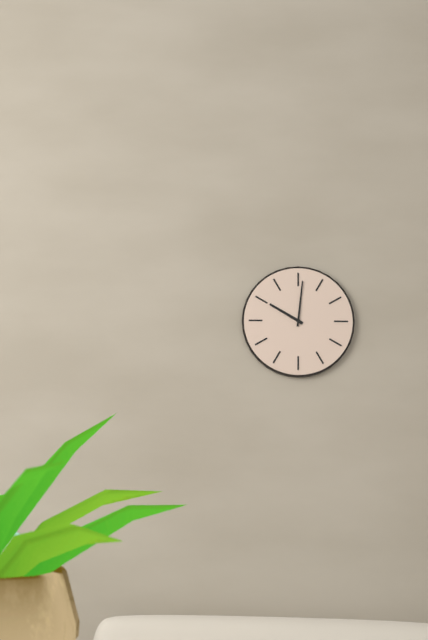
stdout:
{"hour": 10, "minute": 1}
